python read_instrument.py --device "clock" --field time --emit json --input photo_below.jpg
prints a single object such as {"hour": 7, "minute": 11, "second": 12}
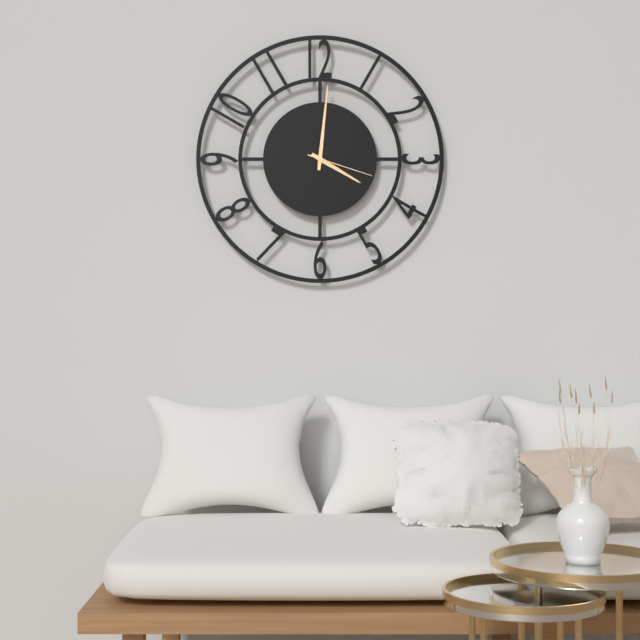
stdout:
{"hour": 4, "minute": 1, "second": 18}
